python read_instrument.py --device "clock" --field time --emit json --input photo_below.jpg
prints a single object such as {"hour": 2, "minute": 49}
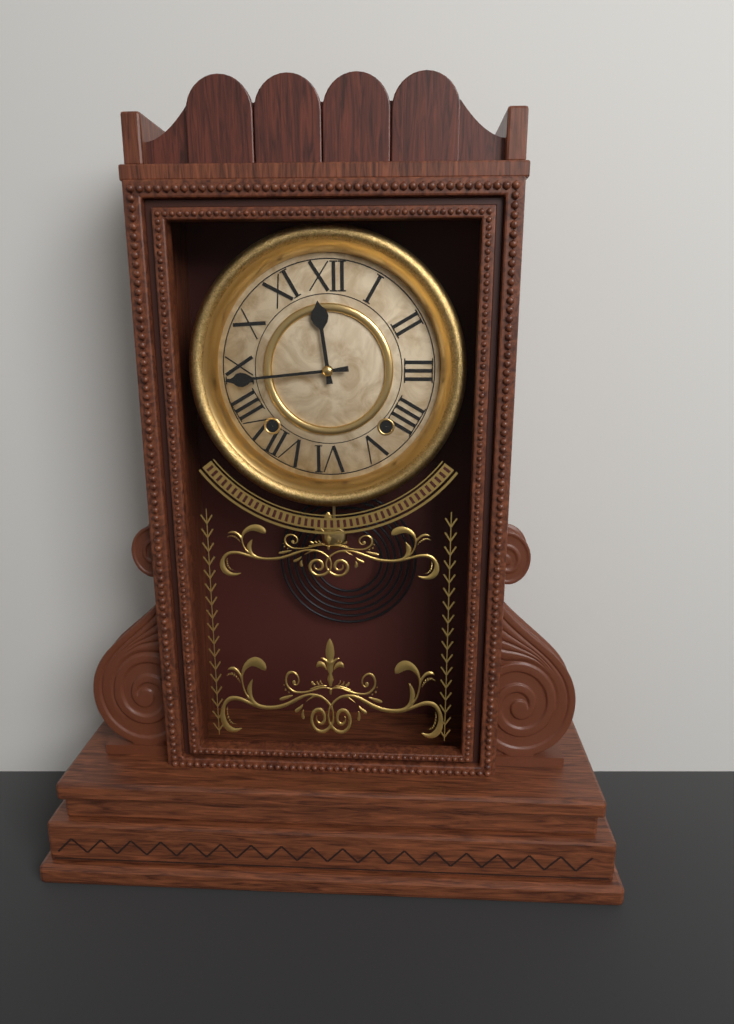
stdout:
{"hour": 11, "minute": 44}
